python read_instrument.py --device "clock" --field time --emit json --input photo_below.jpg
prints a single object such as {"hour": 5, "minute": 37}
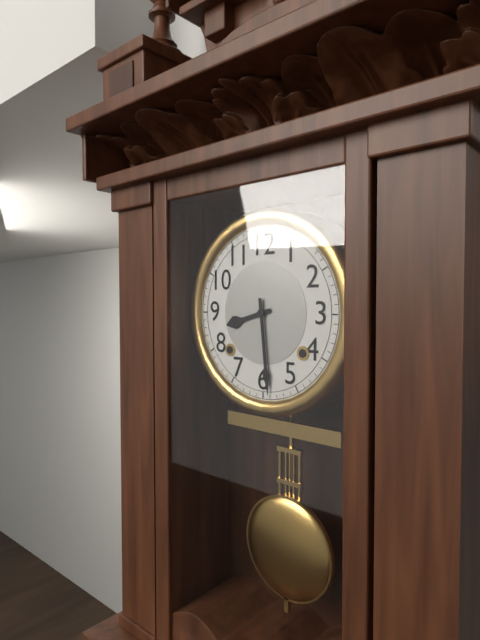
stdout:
{"hour": 8, "minute": 29}
